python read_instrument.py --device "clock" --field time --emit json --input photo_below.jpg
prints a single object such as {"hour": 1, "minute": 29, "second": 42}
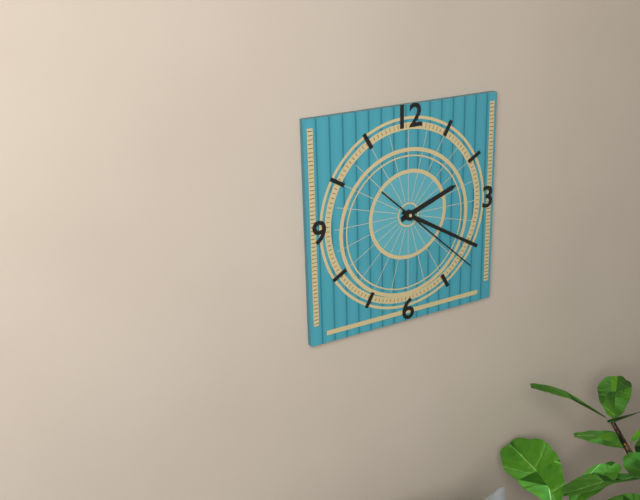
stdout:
{"hour": 2, "minute": 20, "second": 22}
